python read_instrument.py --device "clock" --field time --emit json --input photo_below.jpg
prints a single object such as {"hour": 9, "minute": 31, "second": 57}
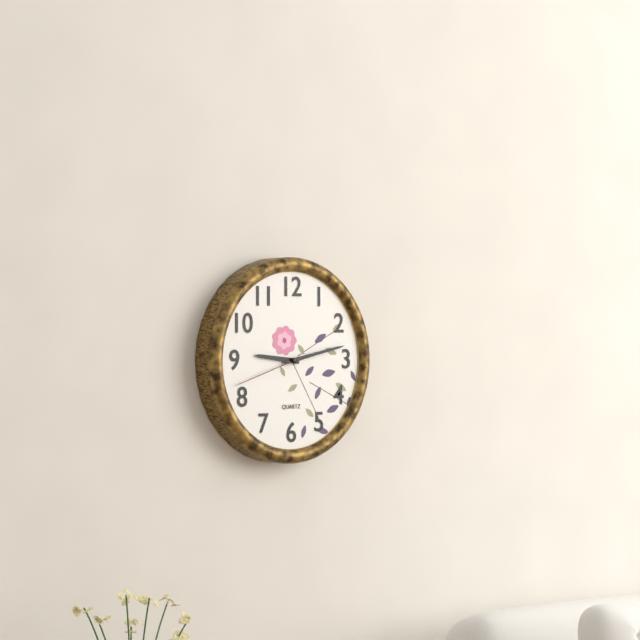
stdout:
{"hour": 9, "minute": 13, "second": 42}
